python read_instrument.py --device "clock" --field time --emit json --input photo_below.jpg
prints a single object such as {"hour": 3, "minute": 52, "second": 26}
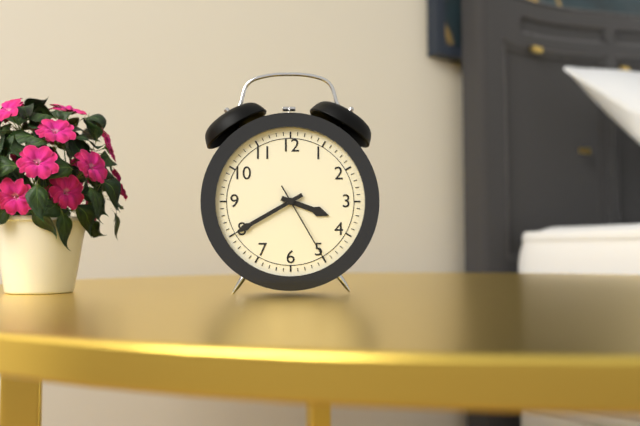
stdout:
{"hour": 3, "minute": 40, "second": 25}
